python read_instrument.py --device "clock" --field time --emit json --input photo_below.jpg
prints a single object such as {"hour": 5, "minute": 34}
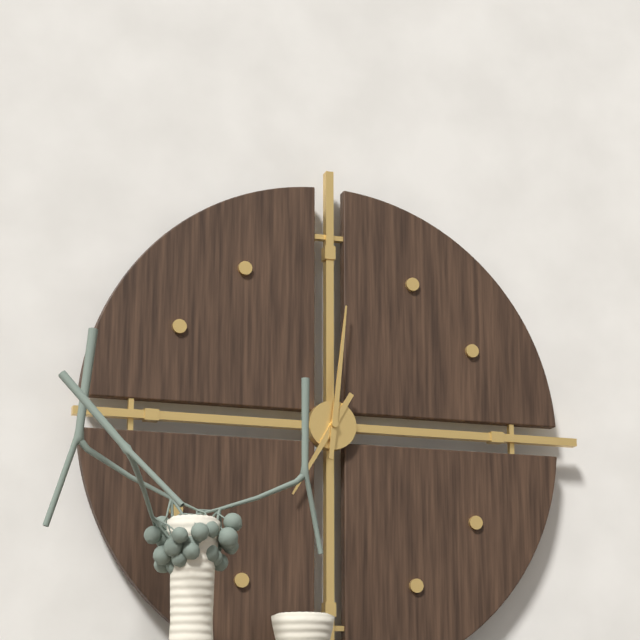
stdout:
{"hour": 7, "minute": 1}
